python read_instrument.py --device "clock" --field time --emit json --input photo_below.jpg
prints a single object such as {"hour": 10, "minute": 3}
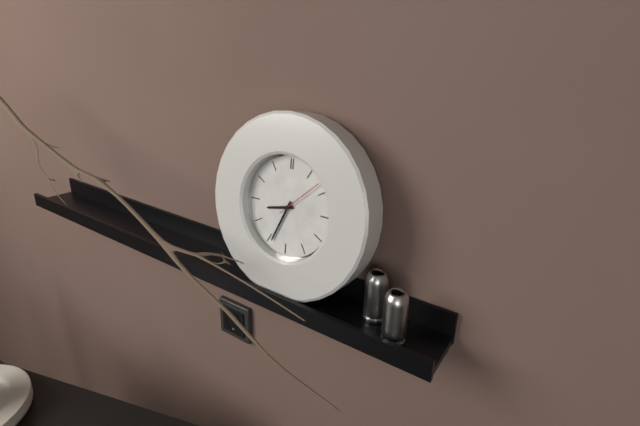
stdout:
{"hour": 8, "minute": 34}
